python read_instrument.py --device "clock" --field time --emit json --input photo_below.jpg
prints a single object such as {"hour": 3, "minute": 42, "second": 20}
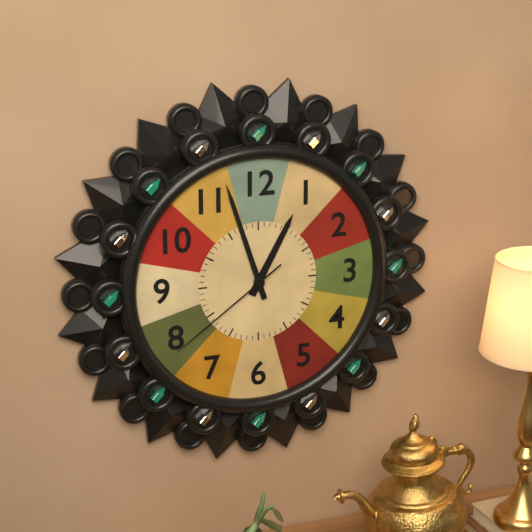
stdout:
{"hour": 12, "minute": 57, "second": 39}
